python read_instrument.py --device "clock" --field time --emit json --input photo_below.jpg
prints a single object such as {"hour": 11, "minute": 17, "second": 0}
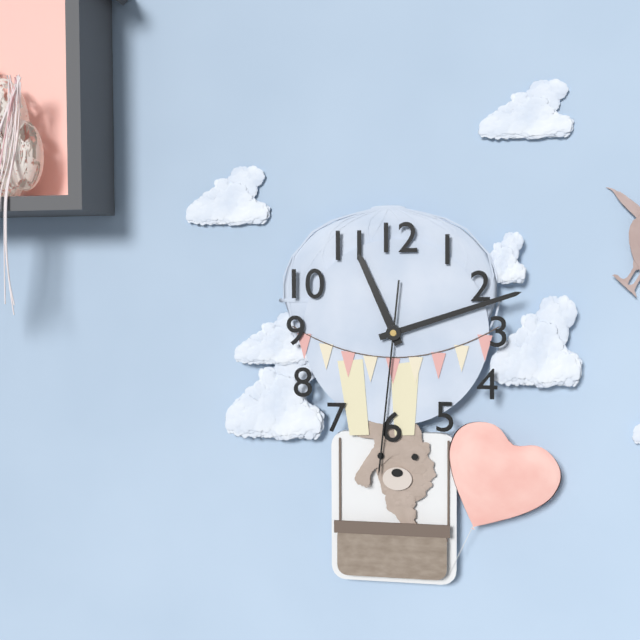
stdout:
{"hour": 11, "minute": 12, "second": 31}
